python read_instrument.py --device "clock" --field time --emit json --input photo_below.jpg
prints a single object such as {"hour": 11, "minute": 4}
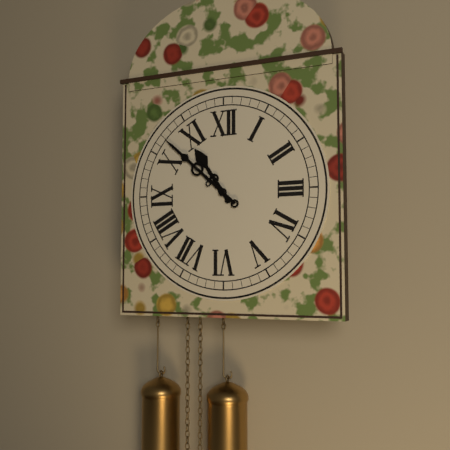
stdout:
{"hour": 10, "minute": 52}
